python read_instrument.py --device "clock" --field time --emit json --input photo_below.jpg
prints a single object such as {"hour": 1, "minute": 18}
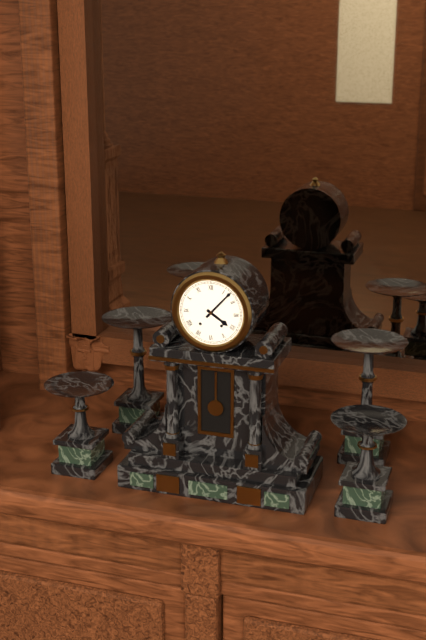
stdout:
{"hour": 4, "minute": 7}
